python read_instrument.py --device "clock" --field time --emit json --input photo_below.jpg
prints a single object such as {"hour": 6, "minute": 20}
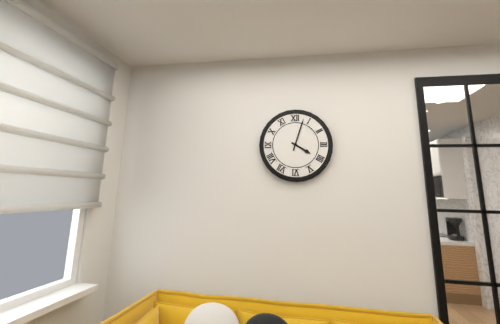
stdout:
{"hour": 4, "minute": 3}
